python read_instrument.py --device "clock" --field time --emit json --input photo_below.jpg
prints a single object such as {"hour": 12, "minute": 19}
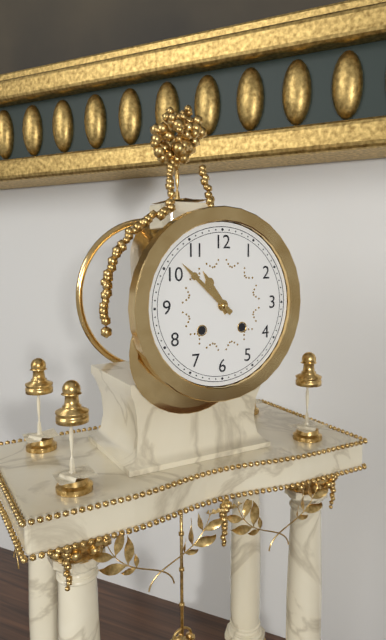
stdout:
{"hour": 10, "minute": 52}
